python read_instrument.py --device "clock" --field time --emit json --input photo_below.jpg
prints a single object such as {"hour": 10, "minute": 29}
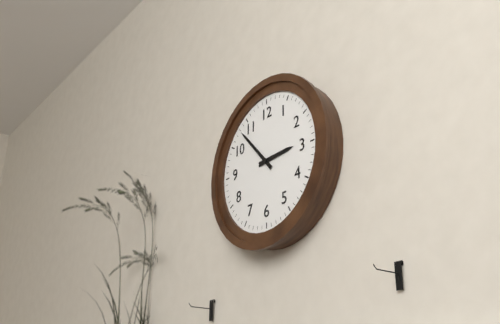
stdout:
{"hour": 2, "minute": 53}
